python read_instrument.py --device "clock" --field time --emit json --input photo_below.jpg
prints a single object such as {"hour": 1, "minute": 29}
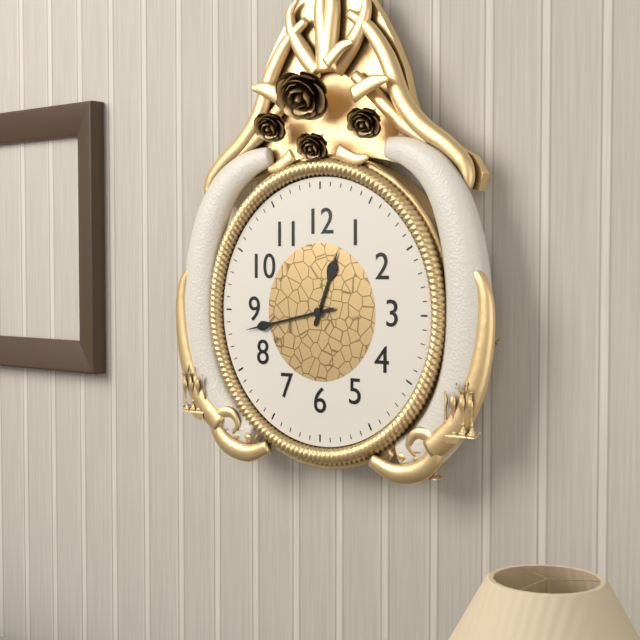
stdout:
{"hour": 12, "minute": 43}
